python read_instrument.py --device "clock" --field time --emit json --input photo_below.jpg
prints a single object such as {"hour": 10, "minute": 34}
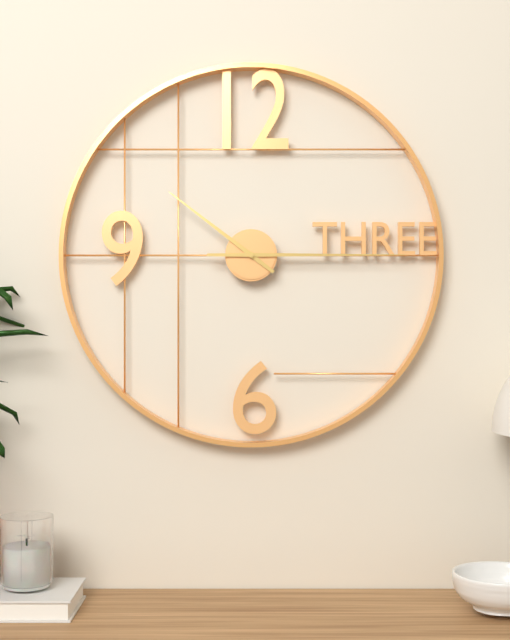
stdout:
{"hour": 10, "minute": 15}
